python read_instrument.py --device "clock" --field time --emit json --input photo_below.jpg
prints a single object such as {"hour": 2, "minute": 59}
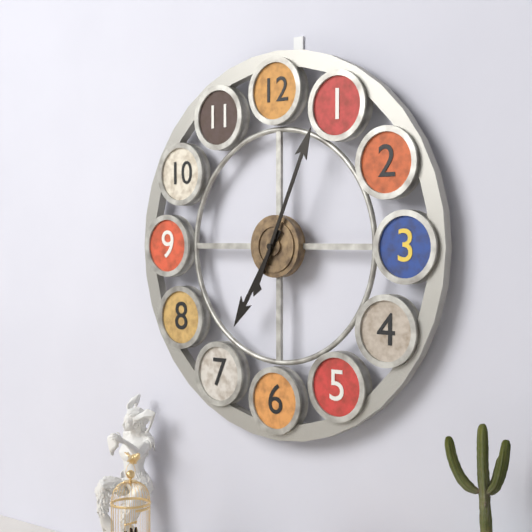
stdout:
{"hour": 7, "minute": 4}
